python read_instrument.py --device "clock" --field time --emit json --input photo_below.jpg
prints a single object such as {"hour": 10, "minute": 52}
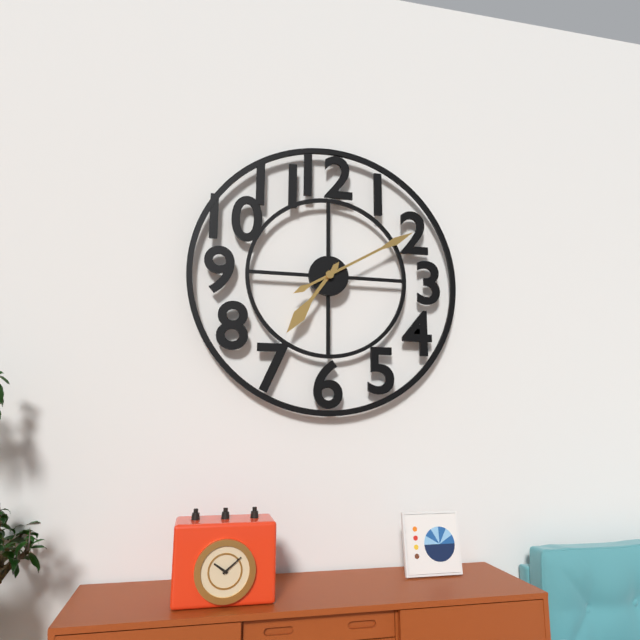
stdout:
{"hour": 7, "minute": 10}
